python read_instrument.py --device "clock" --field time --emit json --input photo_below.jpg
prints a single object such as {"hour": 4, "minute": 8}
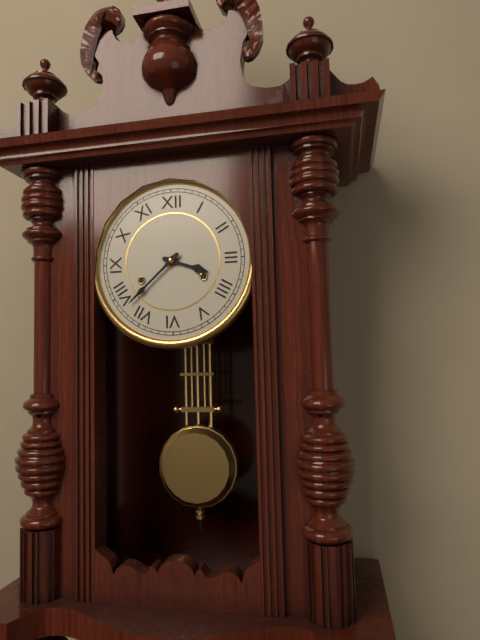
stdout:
{"hour": 3, "minute": 38}
